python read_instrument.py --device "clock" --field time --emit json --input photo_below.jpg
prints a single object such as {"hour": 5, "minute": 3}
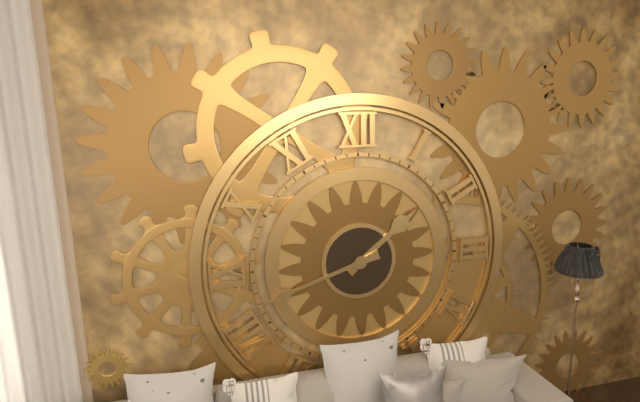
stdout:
{"hour": 1, "minute": 42}
